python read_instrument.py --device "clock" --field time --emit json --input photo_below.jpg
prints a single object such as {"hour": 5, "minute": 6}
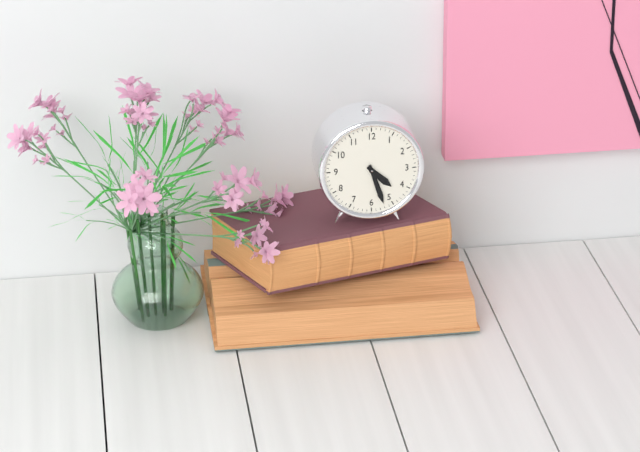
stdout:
{"hour": 4, "minute": 27}
